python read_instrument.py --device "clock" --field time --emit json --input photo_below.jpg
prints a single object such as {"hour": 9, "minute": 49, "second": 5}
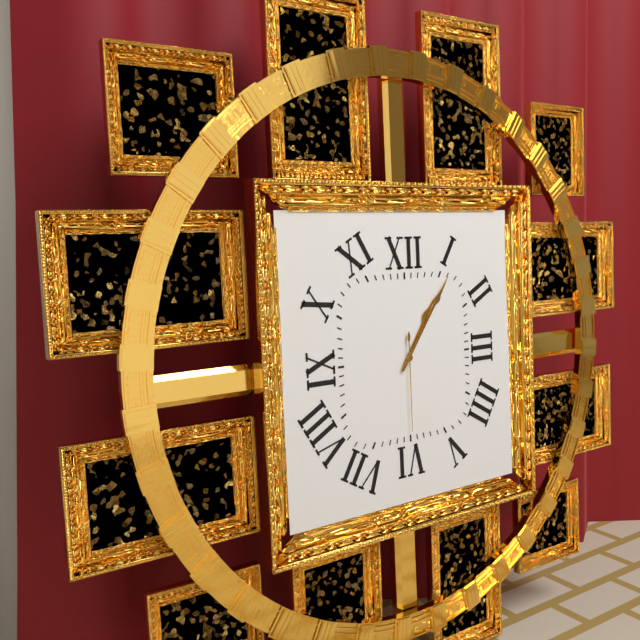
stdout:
{"hour": 1, "minute": 6, "second": 30}
